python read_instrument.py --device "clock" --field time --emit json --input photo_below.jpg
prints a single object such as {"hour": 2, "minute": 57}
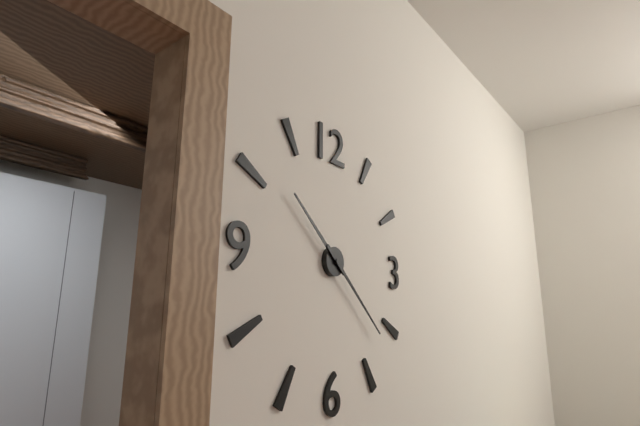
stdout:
{"hour": 10, "minute": 22}
